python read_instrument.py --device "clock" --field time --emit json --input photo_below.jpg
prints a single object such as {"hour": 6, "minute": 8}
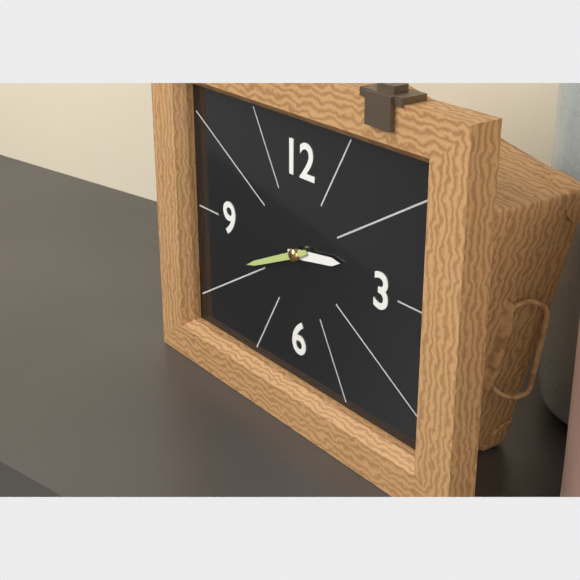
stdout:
{"hour": 2, "minute": 41}
